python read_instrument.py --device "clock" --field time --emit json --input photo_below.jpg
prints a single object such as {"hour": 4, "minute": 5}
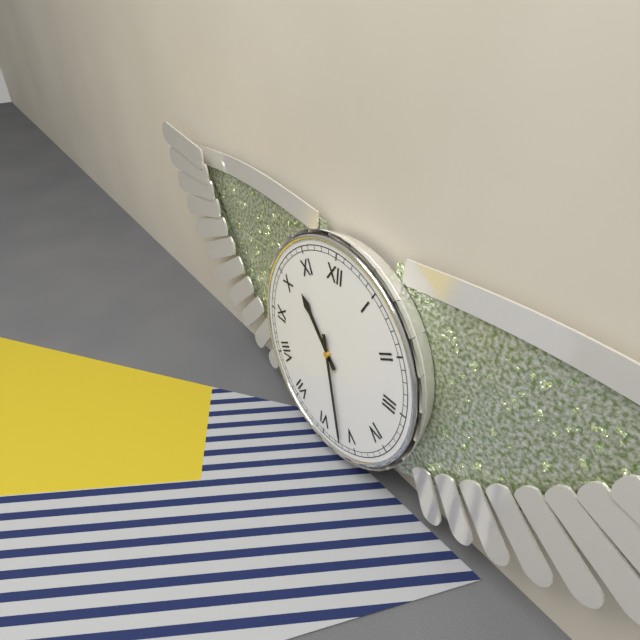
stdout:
{"hour": 10, "minute": 27}
